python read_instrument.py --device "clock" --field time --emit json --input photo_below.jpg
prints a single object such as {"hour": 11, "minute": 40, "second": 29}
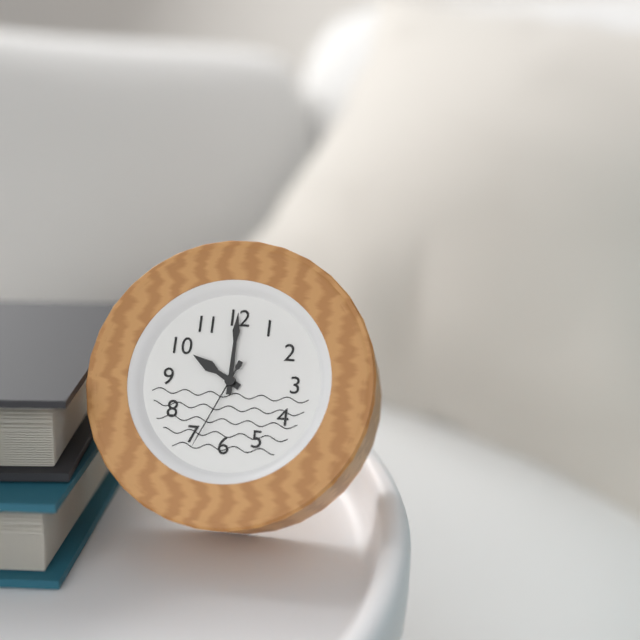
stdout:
{"hour": 10, "minute": 0, "second": 34}
